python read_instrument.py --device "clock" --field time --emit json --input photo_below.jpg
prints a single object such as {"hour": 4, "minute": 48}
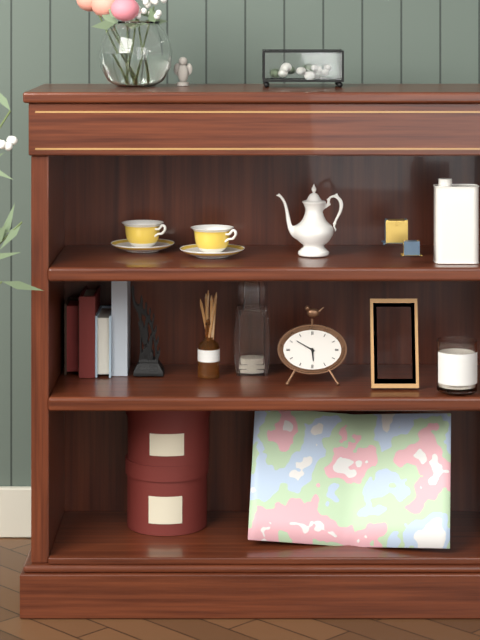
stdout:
{"hour": 5, "minute": 50}
